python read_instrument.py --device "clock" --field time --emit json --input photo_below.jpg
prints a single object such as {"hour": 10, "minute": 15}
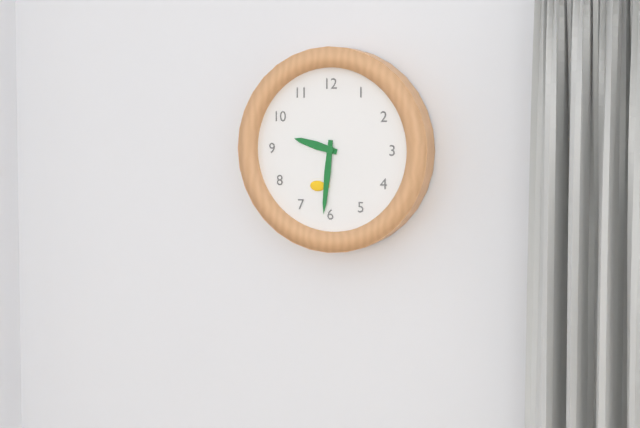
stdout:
{"hour": 9, "minute": 31}
